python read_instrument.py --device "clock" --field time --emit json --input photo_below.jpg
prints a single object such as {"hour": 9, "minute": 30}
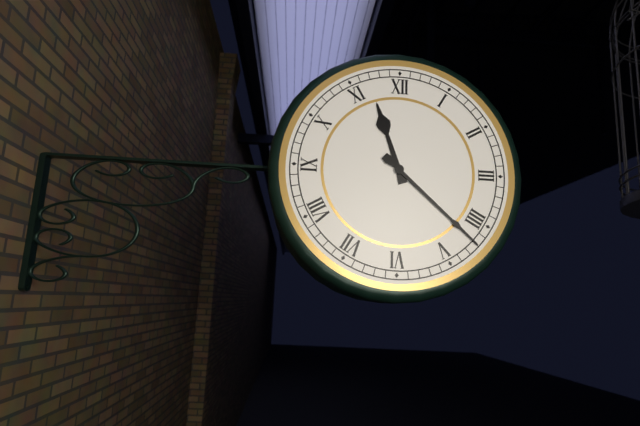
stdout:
{"hour": 11, "minute": 22}
